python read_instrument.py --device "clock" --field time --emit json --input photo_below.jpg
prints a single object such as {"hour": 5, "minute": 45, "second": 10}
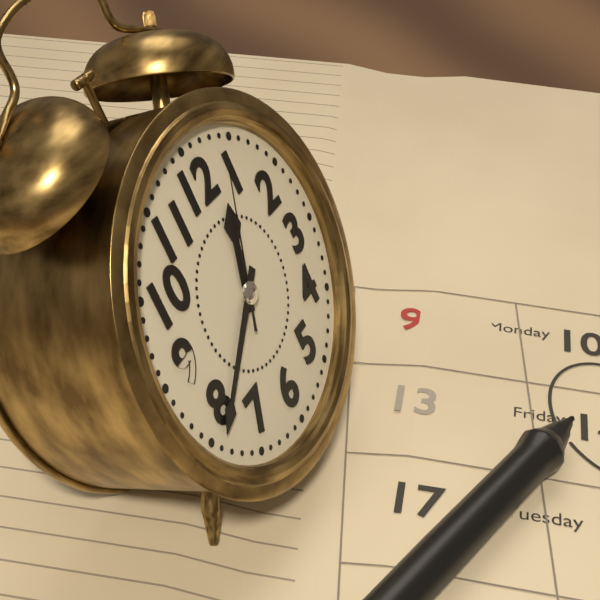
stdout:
{"hour": 12, "minute": 39, "second": 4}
